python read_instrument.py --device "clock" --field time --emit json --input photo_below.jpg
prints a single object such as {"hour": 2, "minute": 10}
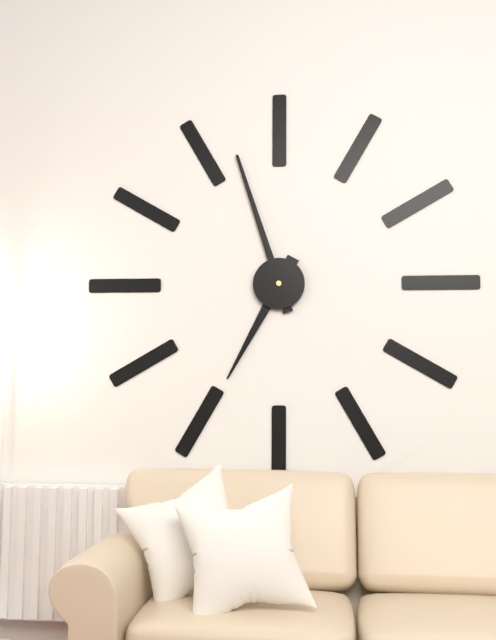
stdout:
{"hour": 6, "minute": 57}
